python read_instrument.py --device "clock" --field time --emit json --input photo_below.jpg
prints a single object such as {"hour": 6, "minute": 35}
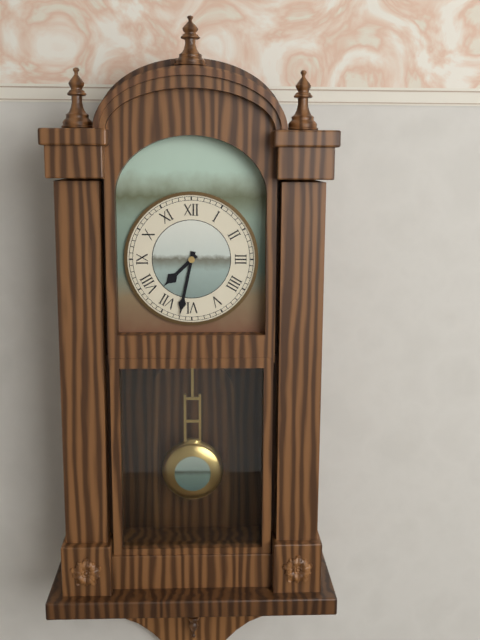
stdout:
{"hour": 7, "minute": 32}
